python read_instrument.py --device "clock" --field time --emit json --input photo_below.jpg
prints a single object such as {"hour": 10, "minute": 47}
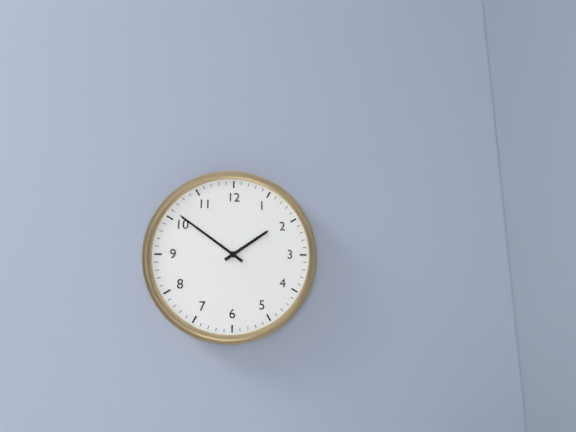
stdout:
{"hour": 1, "minute": 51}
